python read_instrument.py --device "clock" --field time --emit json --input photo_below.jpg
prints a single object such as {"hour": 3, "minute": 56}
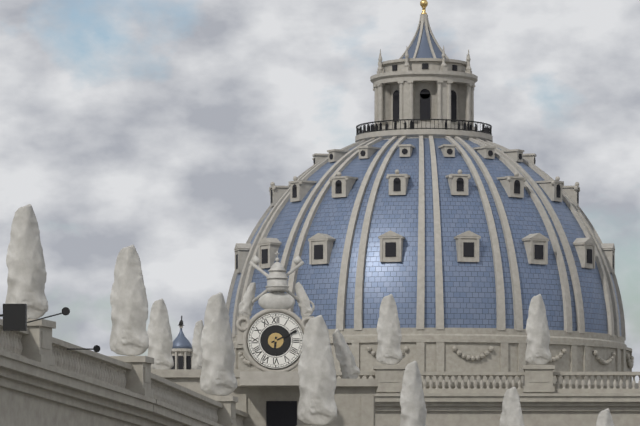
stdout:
{"hour": 6, "minute": 11}
